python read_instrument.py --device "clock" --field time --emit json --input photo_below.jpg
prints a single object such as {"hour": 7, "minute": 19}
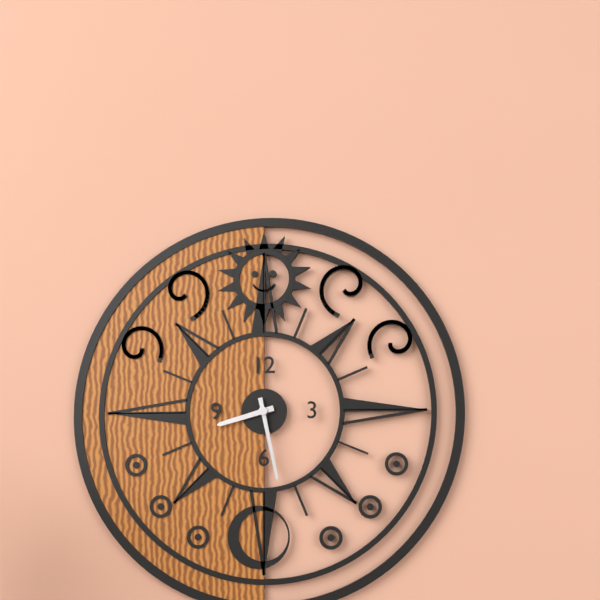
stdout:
{"hour": 8, "minute": 28}
